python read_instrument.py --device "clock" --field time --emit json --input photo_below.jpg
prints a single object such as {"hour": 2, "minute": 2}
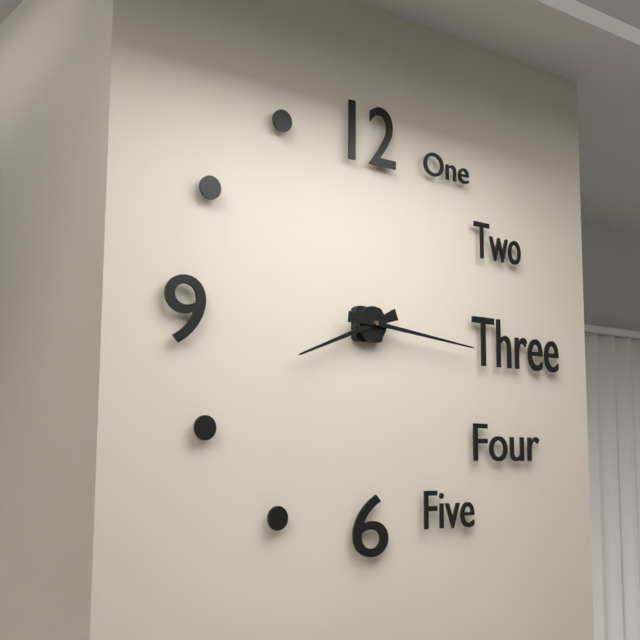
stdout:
{"hour": 8, "minute": 16}
